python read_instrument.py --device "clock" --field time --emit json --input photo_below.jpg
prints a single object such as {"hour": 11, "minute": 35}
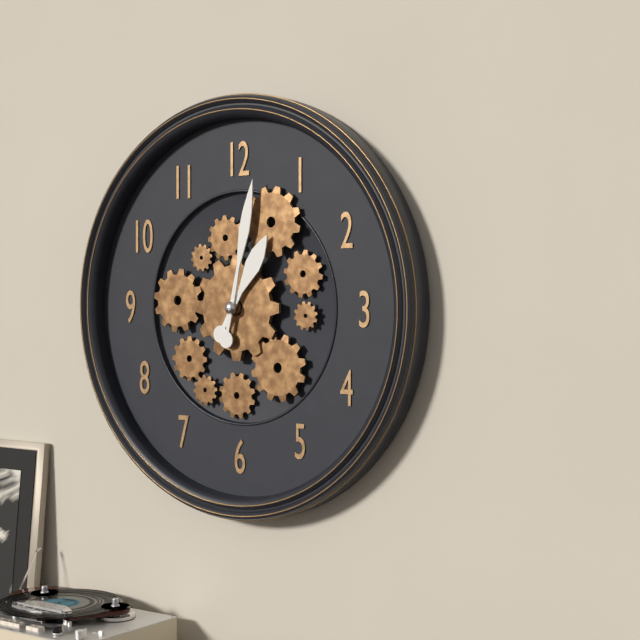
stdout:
{"hour": 1, "minute": 2}
